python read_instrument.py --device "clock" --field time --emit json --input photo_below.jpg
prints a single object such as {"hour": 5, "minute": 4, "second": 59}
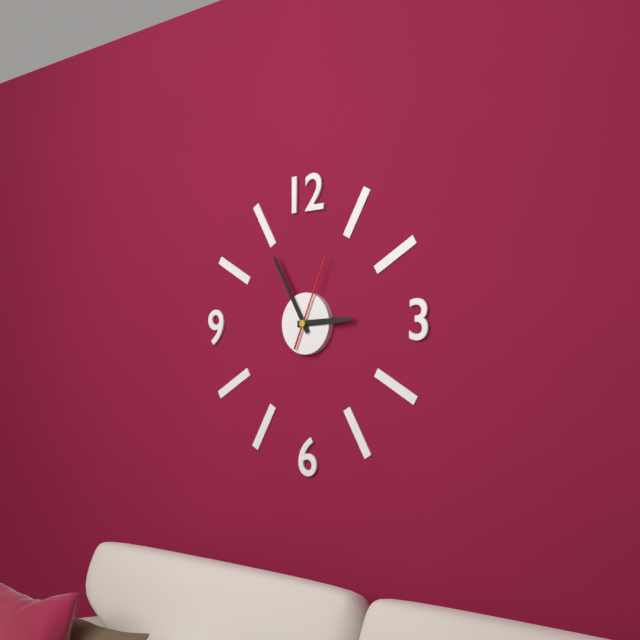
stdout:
{"hour": 2, "minute": 55, "second": 4}
